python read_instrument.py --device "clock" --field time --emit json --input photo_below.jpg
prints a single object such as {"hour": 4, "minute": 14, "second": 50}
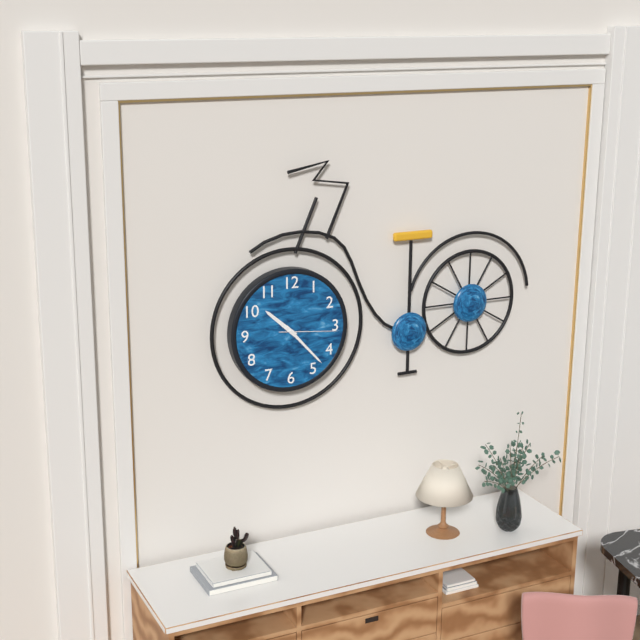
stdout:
{"hour": 10, "minute": 23, "second": 16}
